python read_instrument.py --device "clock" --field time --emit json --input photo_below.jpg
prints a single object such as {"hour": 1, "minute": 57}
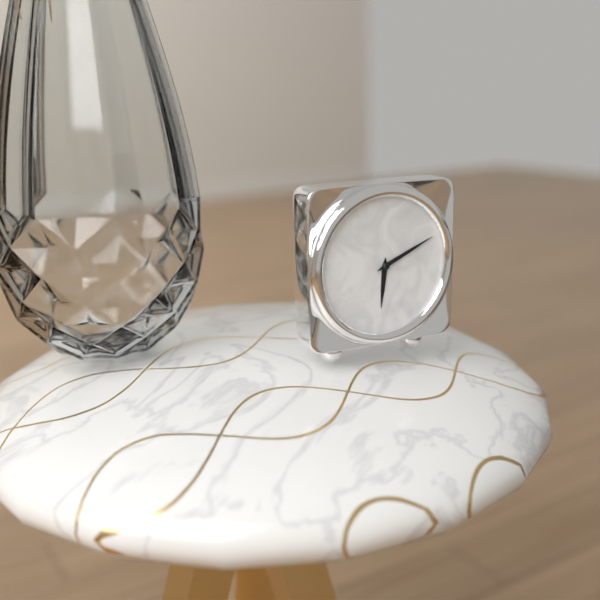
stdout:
{"hour": 6, "minute": 11}
